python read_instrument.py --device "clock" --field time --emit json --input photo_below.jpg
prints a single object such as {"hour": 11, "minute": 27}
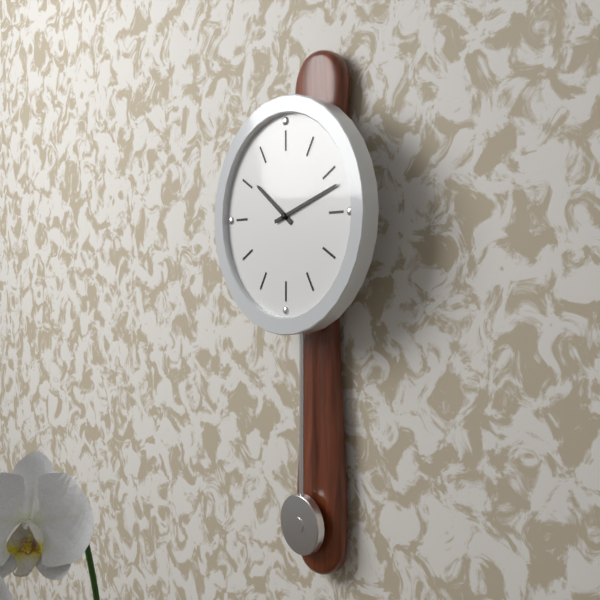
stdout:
{"hour": 10, "minute": 12}
